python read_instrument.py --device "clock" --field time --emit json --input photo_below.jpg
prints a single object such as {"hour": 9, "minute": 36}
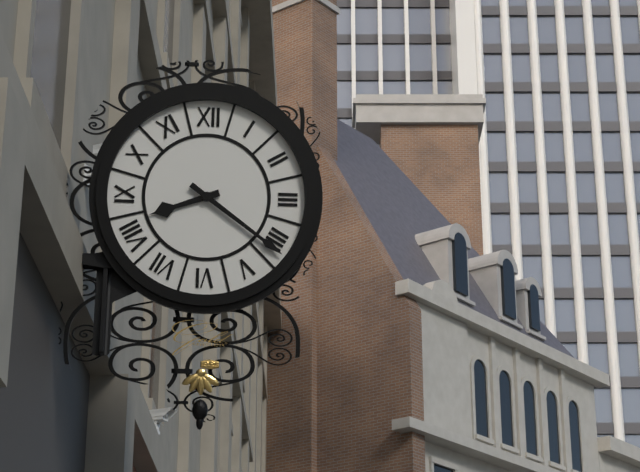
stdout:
{"hour": 8, "minute": 21}
